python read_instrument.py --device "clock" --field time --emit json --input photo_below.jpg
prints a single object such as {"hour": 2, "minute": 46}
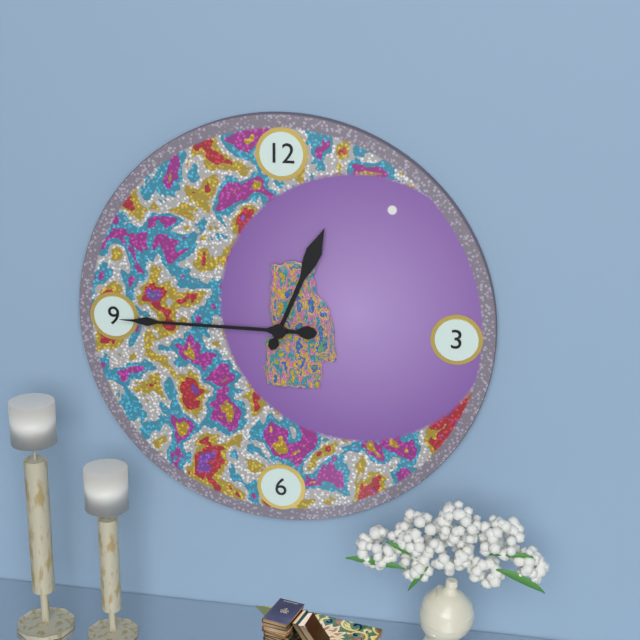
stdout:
{"hour": 12, "minute": 45}
